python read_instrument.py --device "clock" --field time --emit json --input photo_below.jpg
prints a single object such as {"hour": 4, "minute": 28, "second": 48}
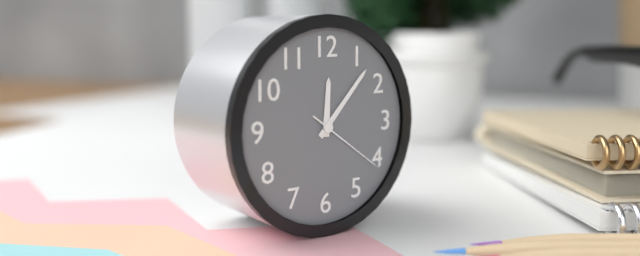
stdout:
{"hour": 12, "minute": 7, "second": 21}
